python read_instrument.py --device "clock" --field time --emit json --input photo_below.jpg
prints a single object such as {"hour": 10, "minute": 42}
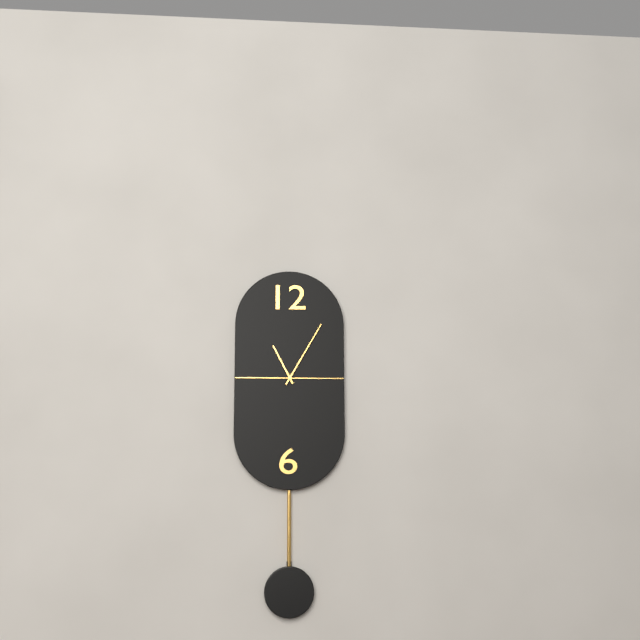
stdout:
{"hour": 11, "minute": 5}
